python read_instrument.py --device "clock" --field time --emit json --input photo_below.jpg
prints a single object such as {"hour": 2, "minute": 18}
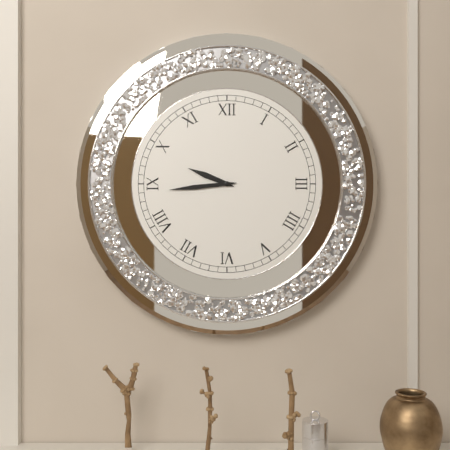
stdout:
{"hour": 9, "minute": 44}
